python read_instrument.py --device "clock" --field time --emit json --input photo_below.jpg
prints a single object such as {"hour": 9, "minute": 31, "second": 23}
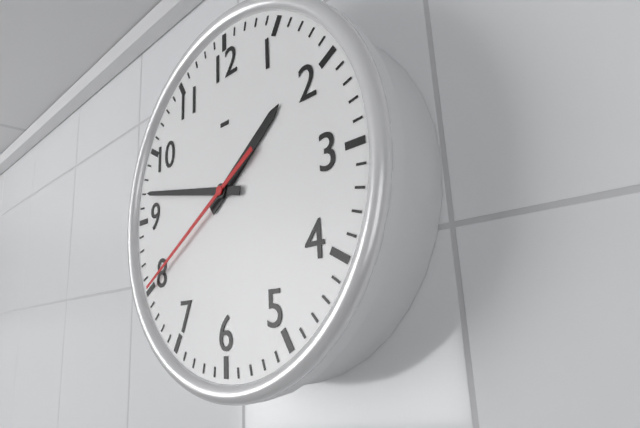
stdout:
{"hour": 1, "minute": 47, "second": 40}
